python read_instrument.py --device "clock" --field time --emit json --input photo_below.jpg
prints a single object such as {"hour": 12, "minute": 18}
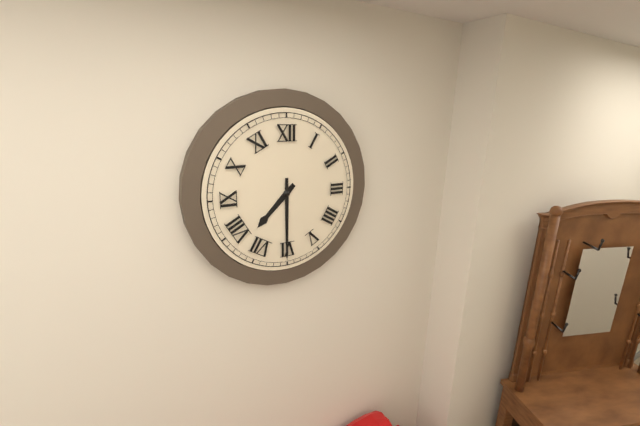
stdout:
{"hour": 7, "minute": 30}
